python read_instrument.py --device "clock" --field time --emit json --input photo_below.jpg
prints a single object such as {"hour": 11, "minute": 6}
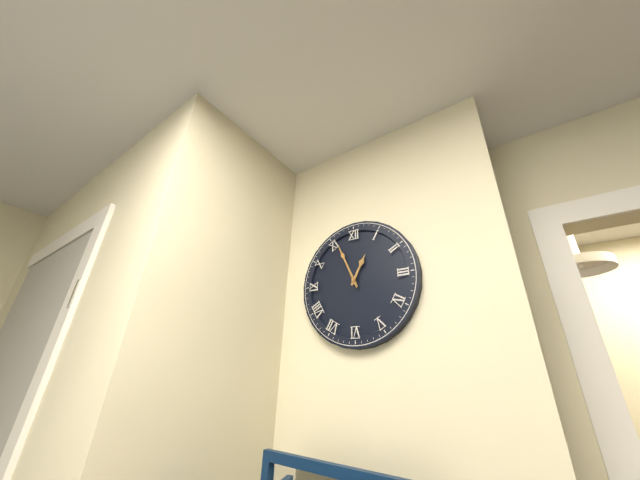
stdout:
{"hour": 12, "minute": 56}
